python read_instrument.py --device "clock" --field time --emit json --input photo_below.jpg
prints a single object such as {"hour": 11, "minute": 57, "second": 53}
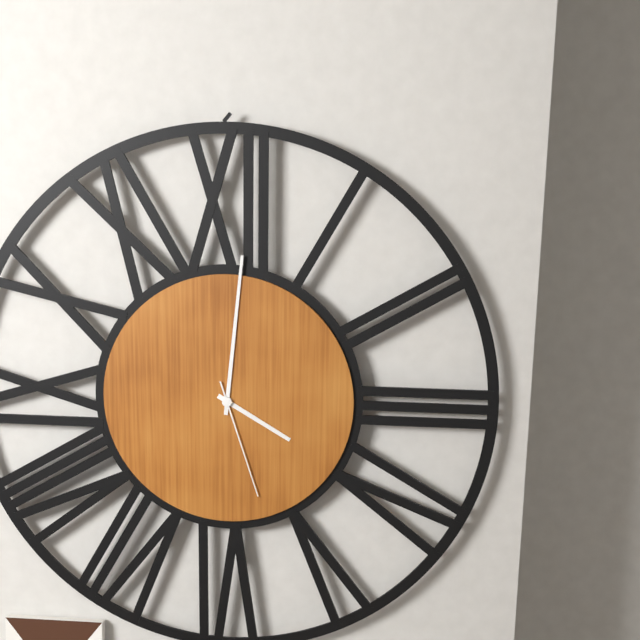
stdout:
{"hour": 4, "minute": 1, "second": 27}
